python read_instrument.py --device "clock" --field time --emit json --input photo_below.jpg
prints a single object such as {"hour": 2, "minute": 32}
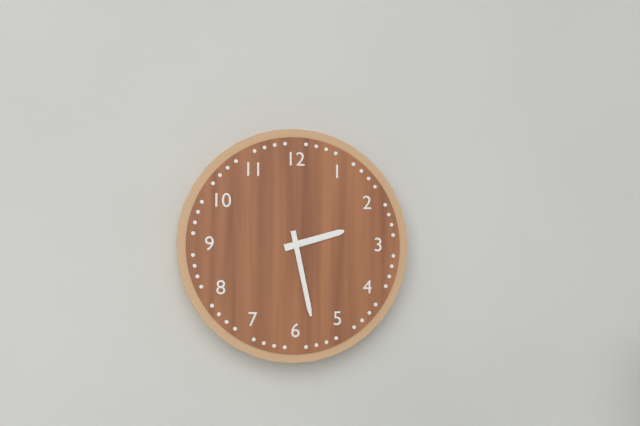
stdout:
{"hour": 2, "minute": 28}
